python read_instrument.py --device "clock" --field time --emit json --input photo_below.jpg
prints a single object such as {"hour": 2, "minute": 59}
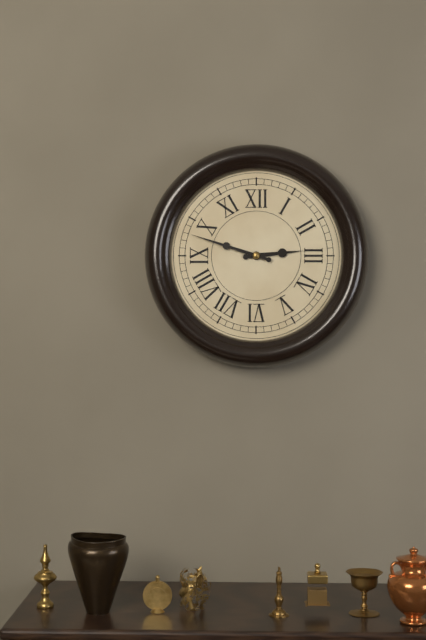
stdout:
{"hour": 2, "minute": 48}
